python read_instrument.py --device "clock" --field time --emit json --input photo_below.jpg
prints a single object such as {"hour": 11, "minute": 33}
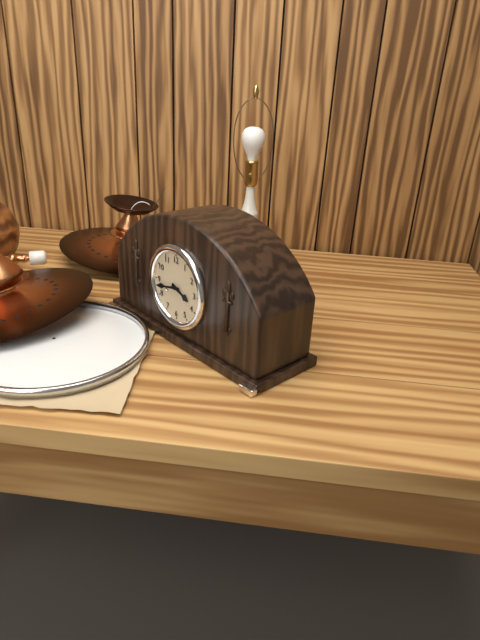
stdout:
{"hour": 3, "minute": 43}
